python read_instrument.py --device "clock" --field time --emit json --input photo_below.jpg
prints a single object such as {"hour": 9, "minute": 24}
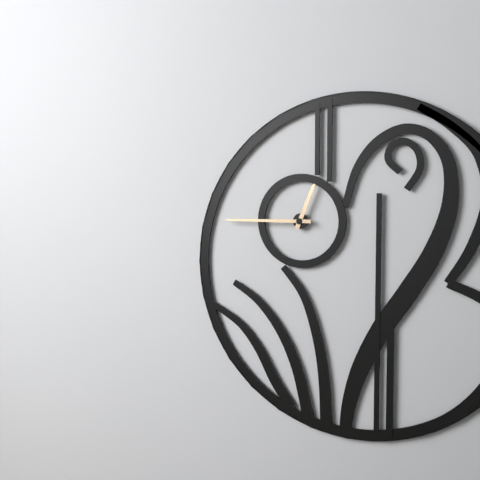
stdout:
{"hour": 12, "minute": 45}
